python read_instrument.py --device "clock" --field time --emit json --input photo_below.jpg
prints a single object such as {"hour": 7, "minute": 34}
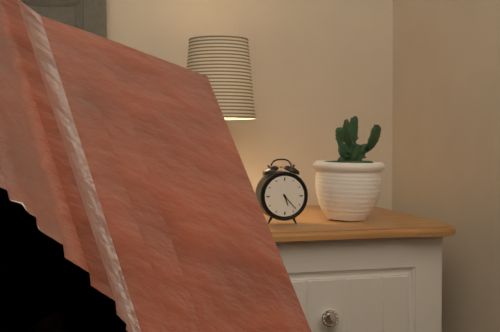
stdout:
{"hour": 5, "minute": 23}
